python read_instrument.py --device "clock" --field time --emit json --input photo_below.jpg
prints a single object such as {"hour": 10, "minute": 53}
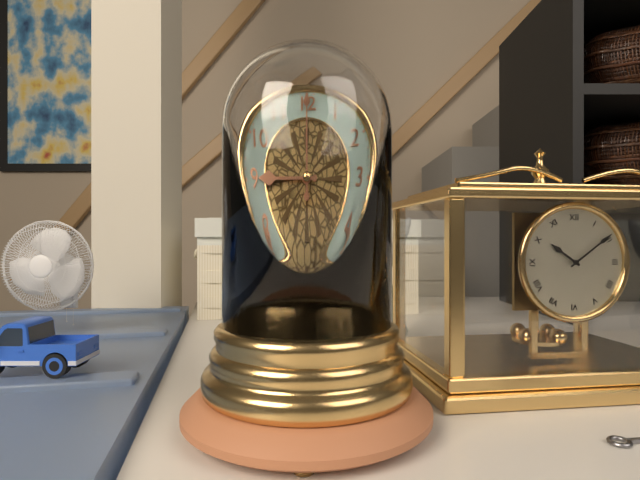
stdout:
{"hour": 9, "minute": 0}
